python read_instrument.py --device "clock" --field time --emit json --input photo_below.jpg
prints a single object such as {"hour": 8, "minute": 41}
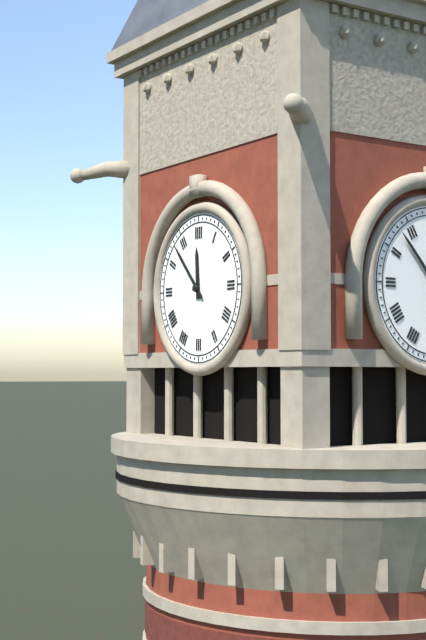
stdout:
{"hour": 11, "minute": 53}
